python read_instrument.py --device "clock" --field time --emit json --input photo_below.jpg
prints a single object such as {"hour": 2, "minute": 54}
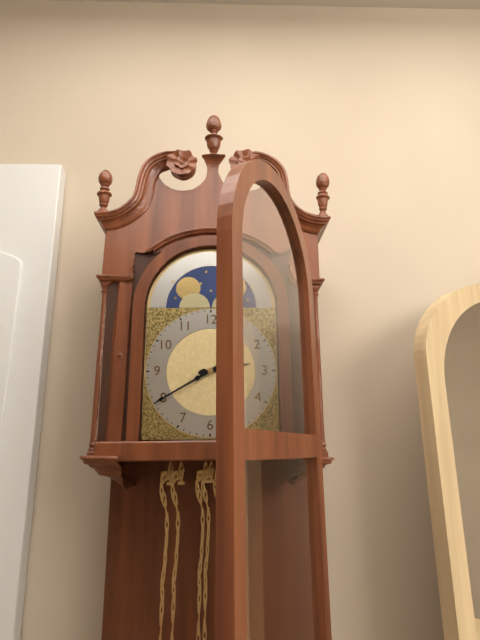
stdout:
{"hour": 2, "minute": 40}
